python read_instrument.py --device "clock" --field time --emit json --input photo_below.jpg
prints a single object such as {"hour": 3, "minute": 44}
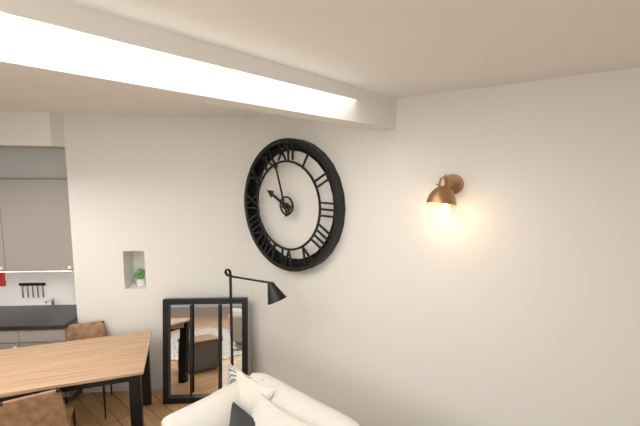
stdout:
{"hour": 9, "minute": 57}
